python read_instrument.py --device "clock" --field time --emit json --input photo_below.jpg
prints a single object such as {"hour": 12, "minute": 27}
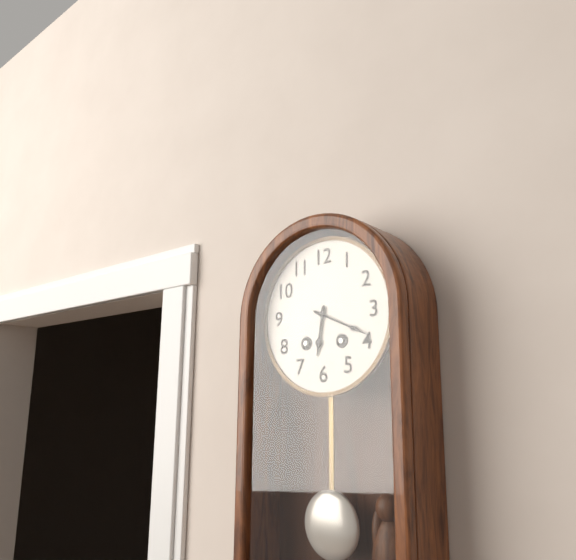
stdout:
{"hour": 6, "minute": 19}
